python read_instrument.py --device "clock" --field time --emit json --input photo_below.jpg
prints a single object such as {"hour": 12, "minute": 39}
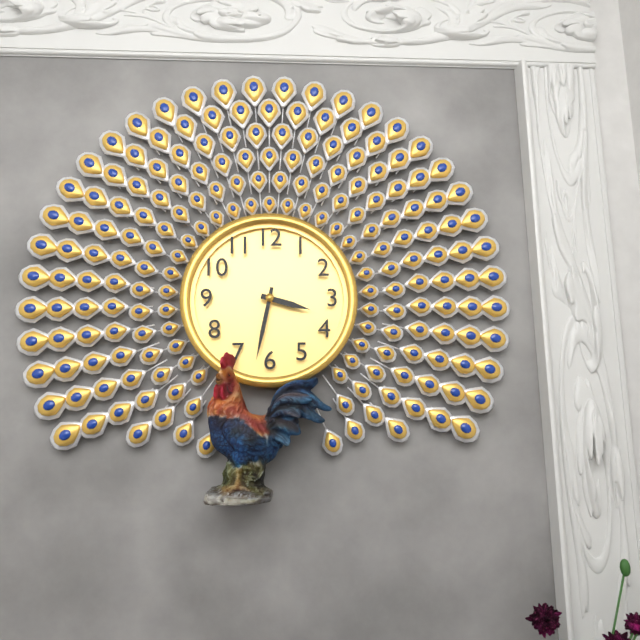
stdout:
{"hour": 3, "minute": 32}
